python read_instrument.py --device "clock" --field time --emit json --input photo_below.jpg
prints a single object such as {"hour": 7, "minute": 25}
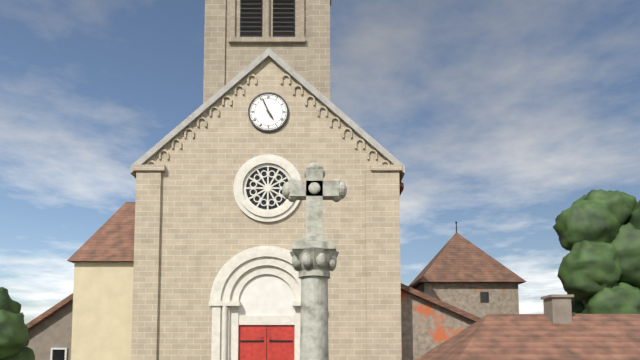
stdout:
{"hour": 4, "minute": 56}
